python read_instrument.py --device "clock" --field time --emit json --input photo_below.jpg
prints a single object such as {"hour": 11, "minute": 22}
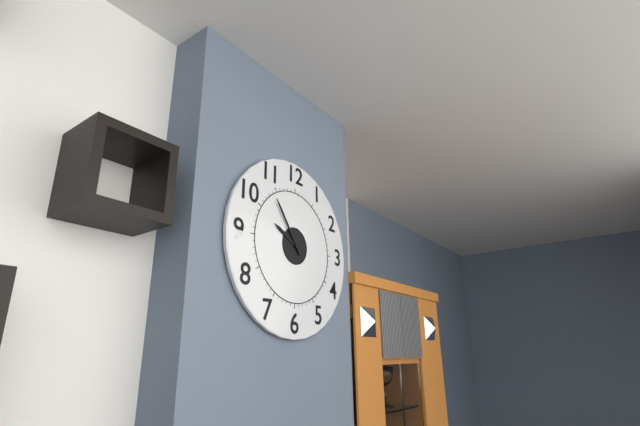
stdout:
{"hour": 9, "minute": 54}
